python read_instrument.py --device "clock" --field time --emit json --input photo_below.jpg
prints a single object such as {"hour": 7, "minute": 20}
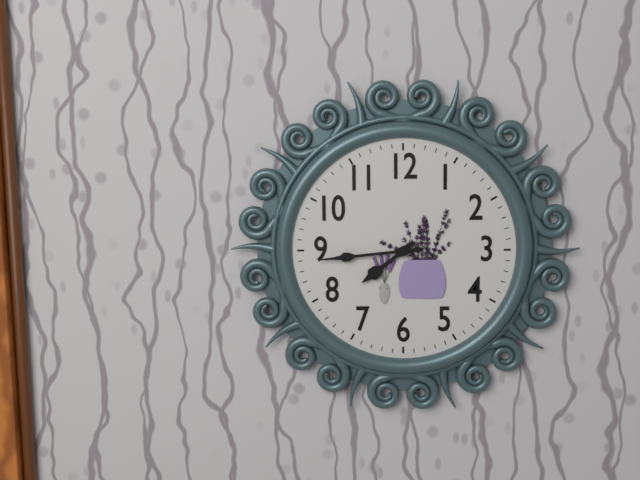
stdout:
{"hour": 7, "minute": 44}
